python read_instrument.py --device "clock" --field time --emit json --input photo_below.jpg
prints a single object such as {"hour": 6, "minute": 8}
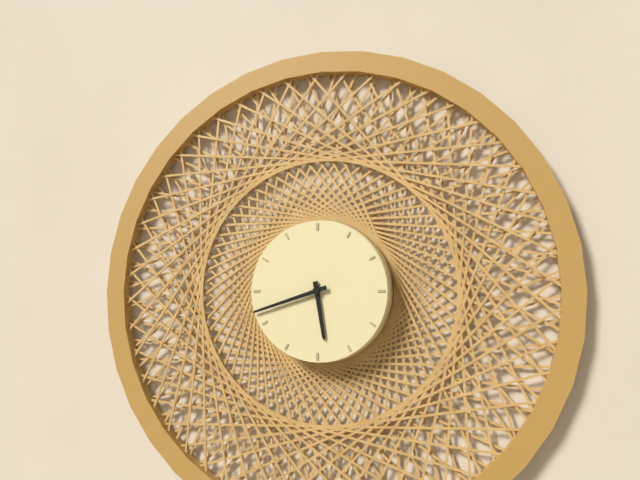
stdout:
{"hour": 5, "minute": 42}
